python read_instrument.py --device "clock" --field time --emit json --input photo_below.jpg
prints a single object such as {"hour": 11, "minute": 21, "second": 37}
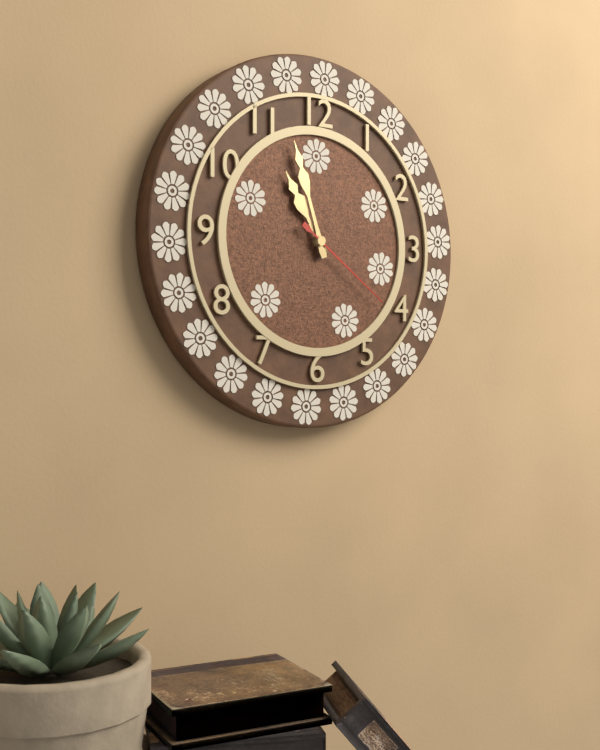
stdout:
{"hour": 10, "minute": 57, "second": 21}
